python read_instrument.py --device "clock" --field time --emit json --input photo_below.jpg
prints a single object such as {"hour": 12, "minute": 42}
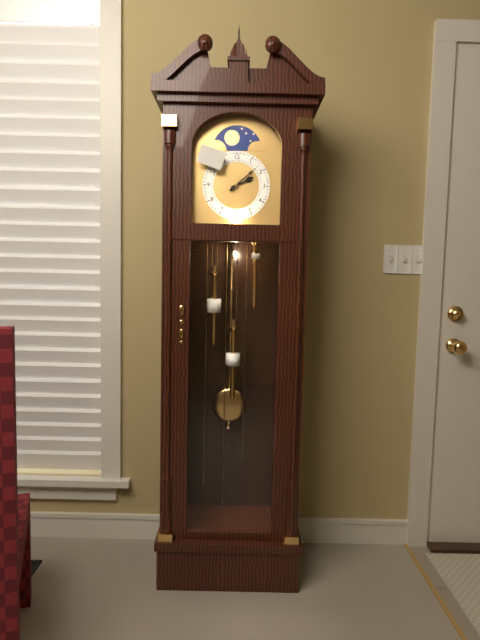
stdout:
{"hour": 2, "minute": 8}
